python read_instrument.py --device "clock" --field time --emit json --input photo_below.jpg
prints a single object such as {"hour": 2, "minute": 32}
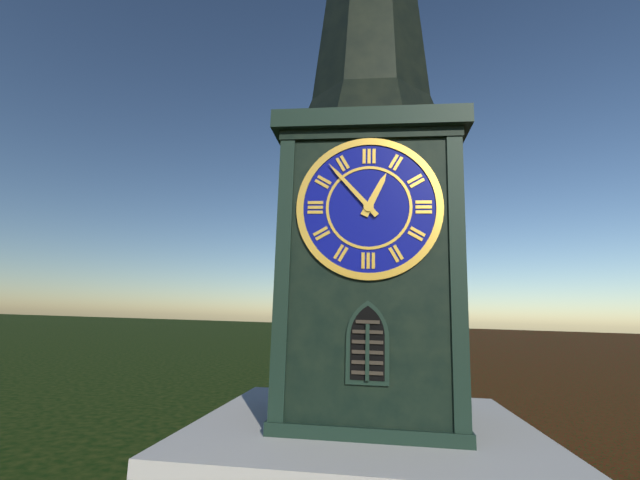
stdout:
{"hour": 12, "minute": 53}
